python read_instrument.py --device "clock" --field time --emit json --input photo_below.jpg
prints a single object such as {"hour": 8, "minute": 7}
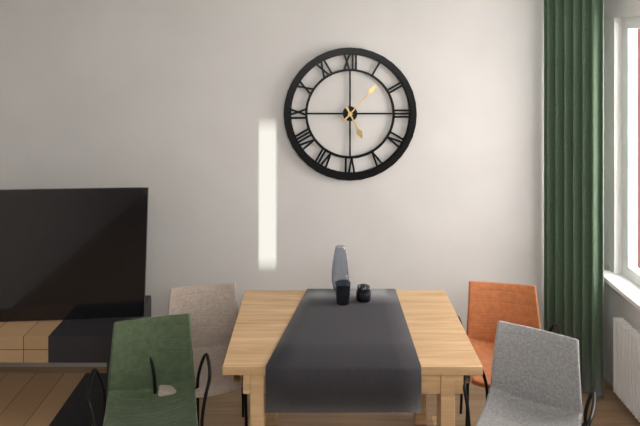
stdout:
{"hour": 5, "minute": 7}
